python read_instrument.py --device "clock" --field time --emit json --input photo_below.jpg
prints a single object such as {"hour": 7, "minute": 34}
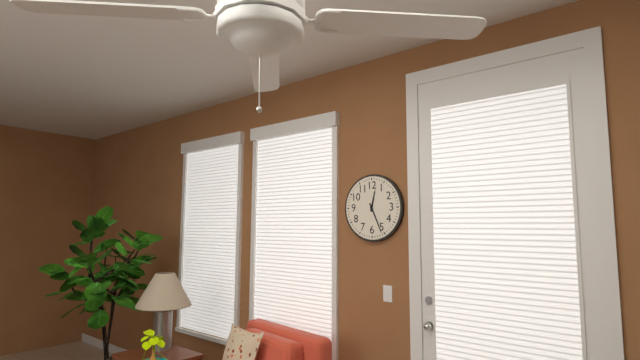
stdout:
{"hour": 12, "minute": 26}
